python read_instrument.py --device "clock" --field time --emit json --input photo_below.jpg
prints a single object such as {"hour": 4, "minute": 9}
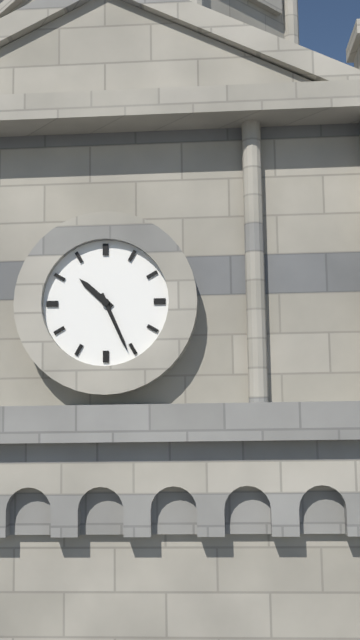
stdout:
{"hour": 10, "minute": 26}
